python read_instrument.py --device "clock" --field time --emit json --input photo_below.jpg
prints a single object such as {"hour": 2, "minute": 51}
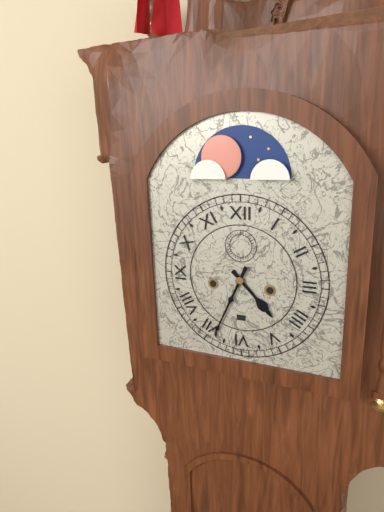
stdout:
{"hour": 4, "minute": 34}
